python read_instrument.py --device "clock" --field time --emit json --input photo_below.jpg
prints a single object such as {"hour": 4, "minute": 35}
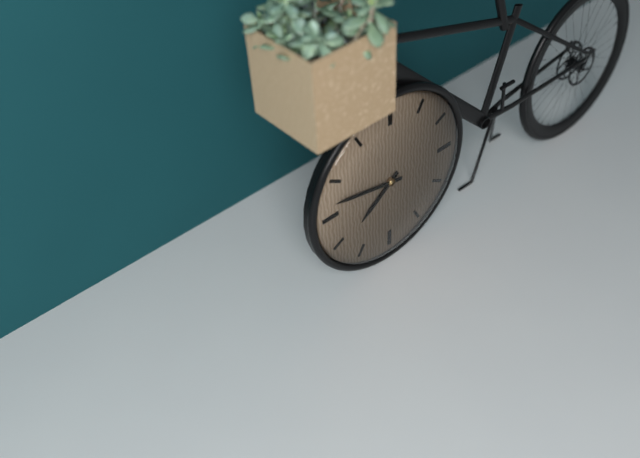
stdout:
{"hour": 7, "minute": 47}
